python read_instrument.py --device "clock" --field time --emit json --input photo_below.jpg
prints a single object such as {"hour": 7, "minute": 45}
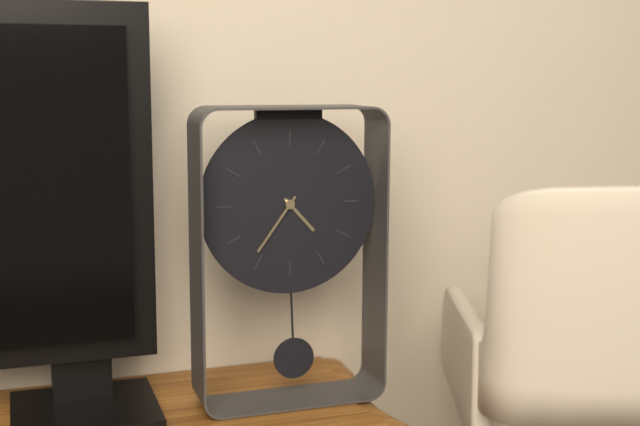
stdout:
{"hour": 4, "minute": 36}
